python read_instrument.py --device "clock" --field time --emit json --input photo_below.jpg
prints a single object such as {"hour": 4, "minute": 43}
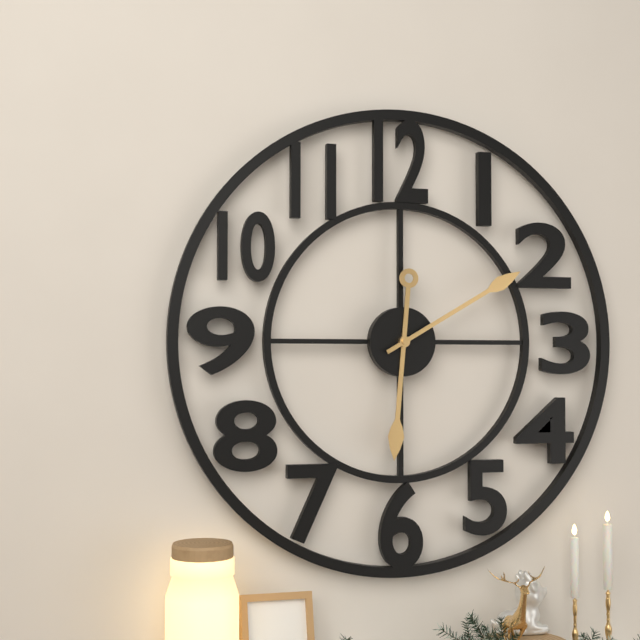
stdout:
{"hour": 6, "minute": 10}
